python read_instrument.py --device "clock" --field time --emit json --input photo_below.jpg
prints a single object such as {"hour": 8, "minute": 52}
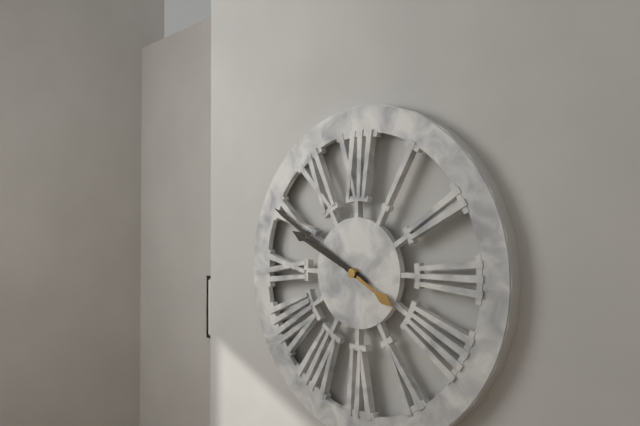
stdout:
{"hour": 9, "minute": 50}
